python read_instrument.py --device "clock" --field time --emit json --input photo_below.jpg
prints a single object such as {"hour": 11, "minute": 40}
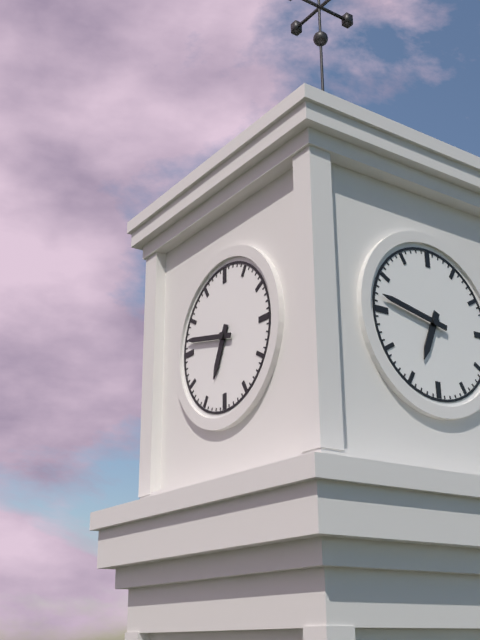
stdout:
{"hour": 6, "minute": 47}
